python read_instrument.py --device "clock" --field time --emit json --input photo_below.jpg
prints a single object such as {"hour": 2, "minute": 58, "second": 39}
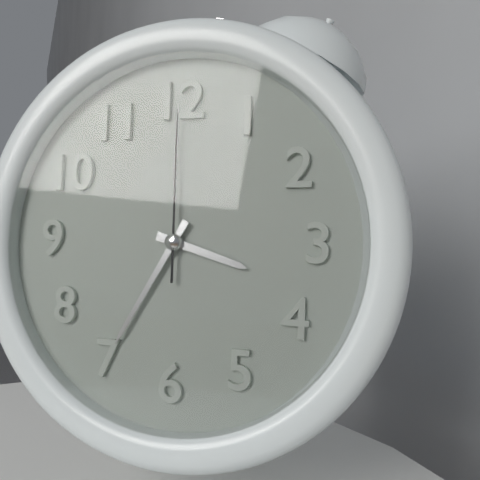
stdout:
{"hour": 3, "minute": 35, "second": 0}
